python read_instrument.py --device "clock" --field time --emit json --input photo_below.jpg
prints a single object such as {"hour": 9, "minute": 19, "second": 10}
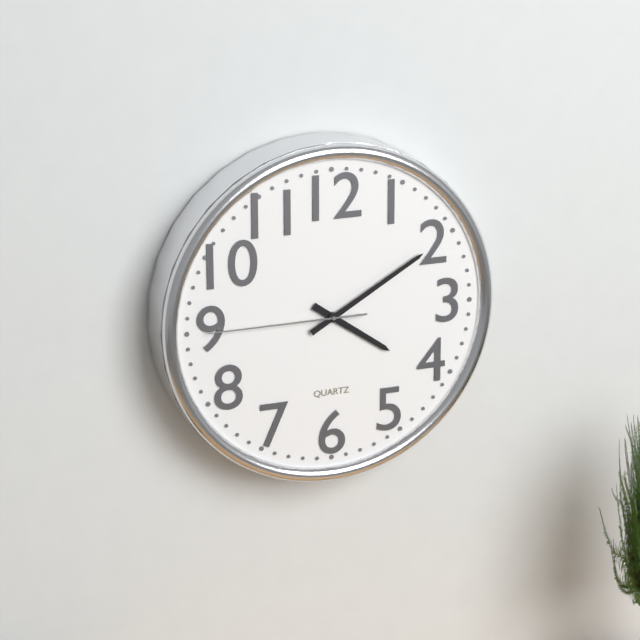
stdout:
{"hour": 4, "minute": 10, "second": 45}
